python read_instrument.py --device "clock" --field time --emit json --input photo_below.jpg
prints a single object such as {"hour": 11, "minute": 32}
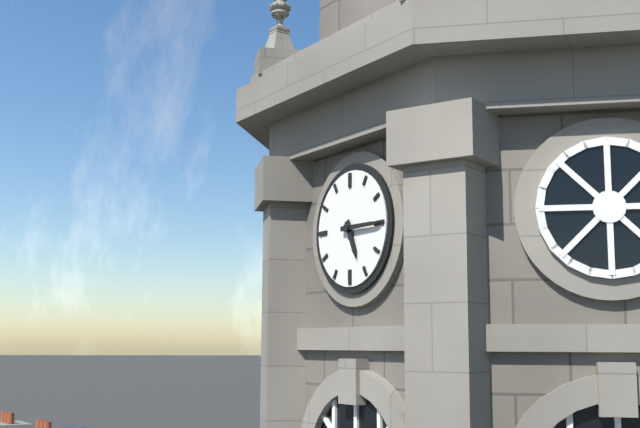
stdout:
{"hour": 5, "minute": 15}
